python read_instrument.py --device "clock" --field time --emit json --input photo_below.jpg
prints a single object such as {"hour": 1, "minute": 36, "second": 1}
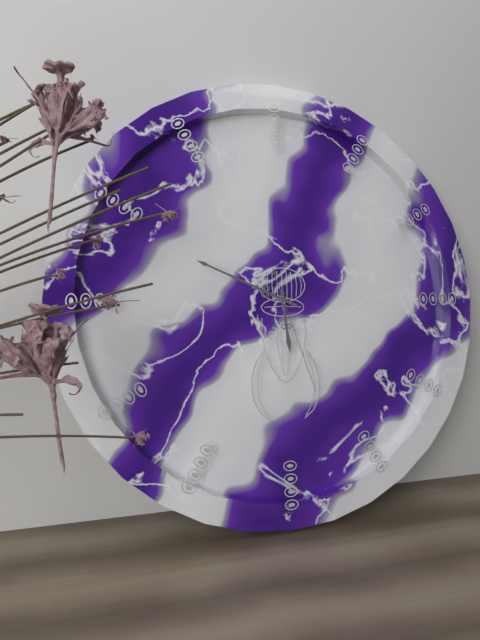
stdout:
{"hour": 5, "minute": 49, "second": 27}
